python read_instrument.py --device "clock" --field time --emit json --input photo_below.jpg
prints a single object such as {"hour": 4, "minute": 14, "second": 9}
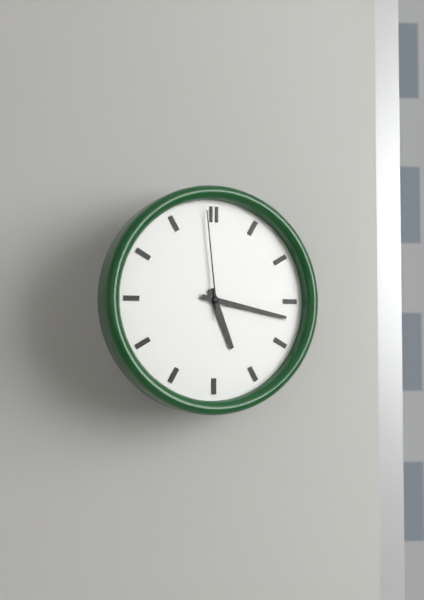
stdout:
{"hour": 5, "minute": 17, "second": 59}
